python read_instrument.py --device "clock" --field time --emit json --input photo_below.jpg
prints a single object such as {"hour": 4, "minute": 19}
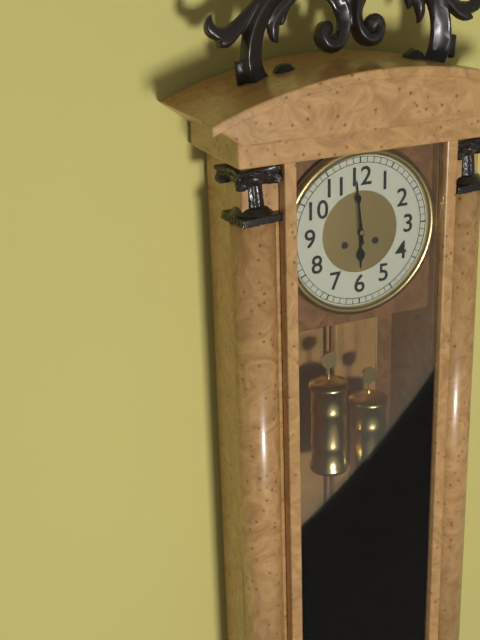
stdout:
{"hour": 5, "minute": 59}
